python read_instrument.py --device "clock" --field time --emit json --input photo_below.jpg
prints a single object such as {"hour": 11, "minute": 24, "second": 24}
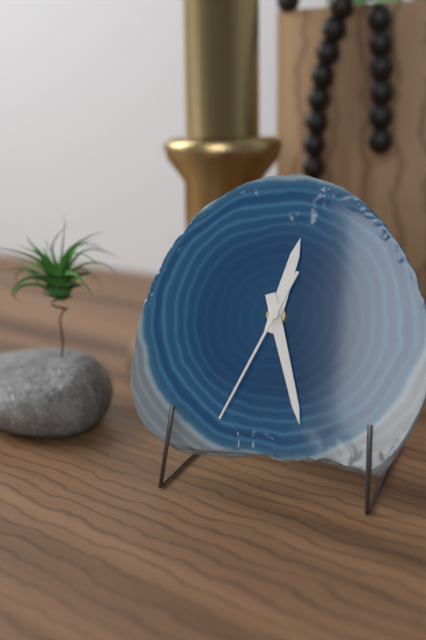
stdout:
{"hour": 12, "minute": 27, "second": 34}
